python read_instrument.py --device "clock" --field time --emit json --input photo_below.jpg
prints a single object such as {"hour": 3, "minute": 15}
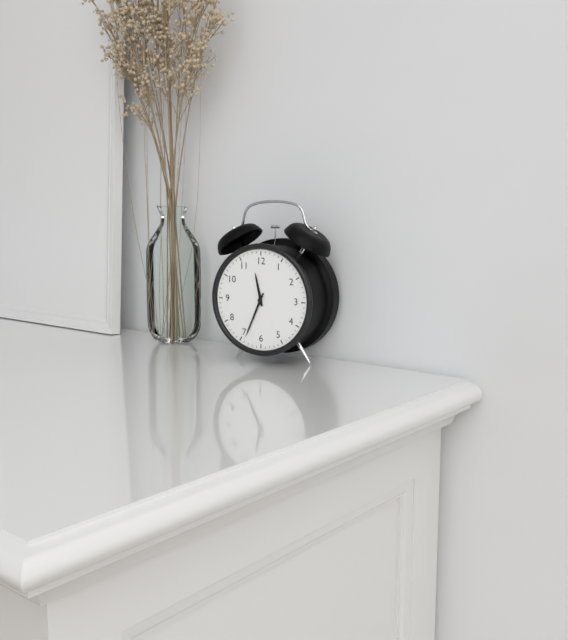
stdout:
{"hour": 11, "minute": 34}
